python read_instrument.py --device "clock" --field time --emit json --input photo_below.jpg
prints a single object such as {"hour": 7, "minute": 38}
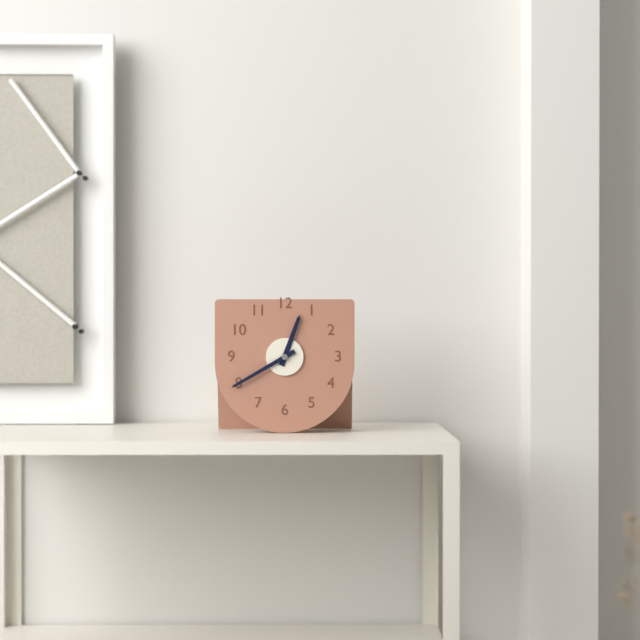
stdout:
{"hour": 12, "minute": 40}
